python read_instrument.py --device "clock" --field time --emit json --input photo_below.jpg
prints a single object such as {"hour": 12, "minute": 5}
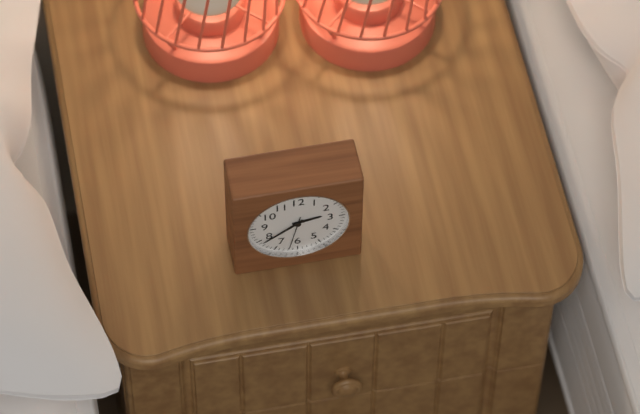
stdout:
{"hour": 2, "minute": 39}
